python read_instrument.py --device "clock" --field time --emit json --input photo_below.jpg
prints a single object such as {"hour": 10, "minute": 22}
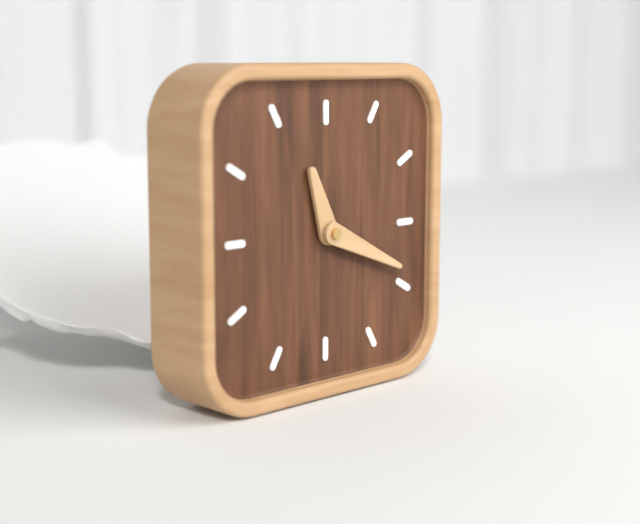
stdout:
{"hour": 11, "minute": 19}
